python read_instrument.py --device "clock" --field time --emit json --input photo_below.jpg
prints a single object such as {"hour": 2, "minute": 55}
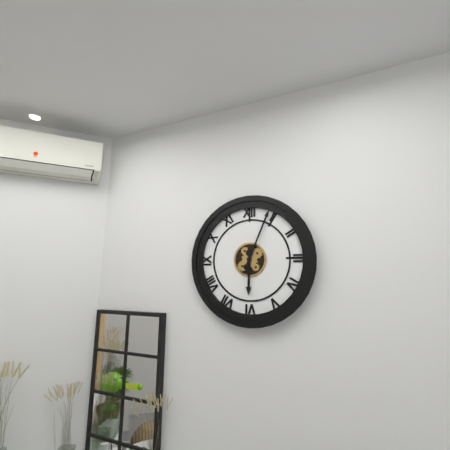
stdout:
{"hour": 6, "minute": 4}
